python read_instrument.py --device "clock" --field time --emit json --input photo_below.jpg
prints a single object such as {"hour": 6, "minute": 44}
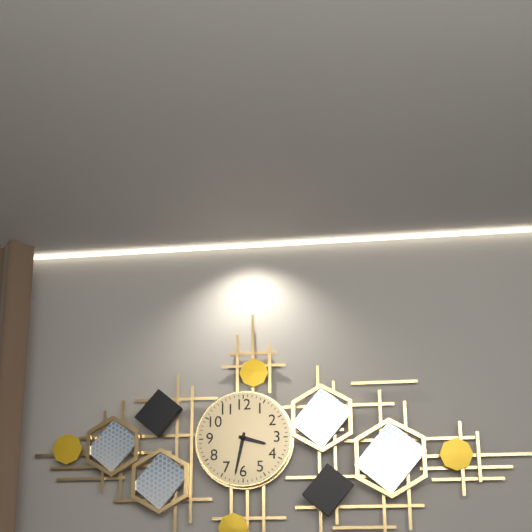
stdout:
{"hour": 3, "minute": 32}
